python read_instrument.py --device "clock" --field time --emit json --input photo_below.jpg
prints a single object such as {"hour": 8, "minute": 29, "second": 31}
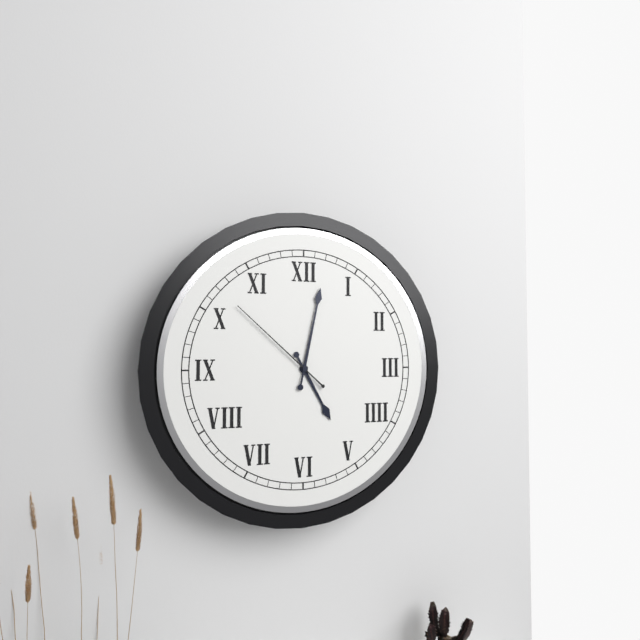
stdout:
{"hour": 5, "minute": 2, "second": 52}
